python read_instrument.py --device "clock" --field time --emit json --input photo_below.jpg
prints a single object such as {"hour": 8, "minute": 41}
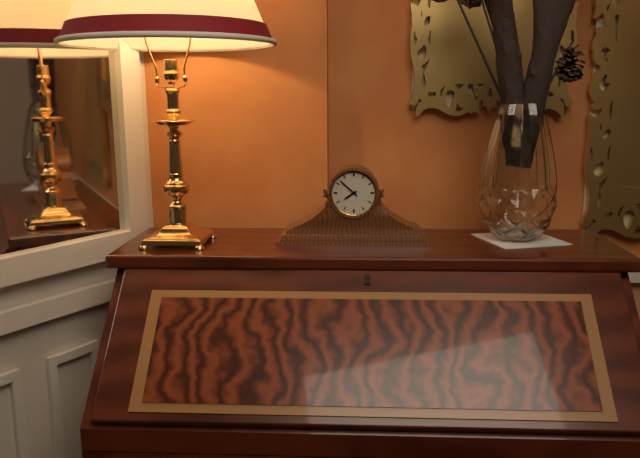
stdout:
{"hour": 7, "minute": 52}
